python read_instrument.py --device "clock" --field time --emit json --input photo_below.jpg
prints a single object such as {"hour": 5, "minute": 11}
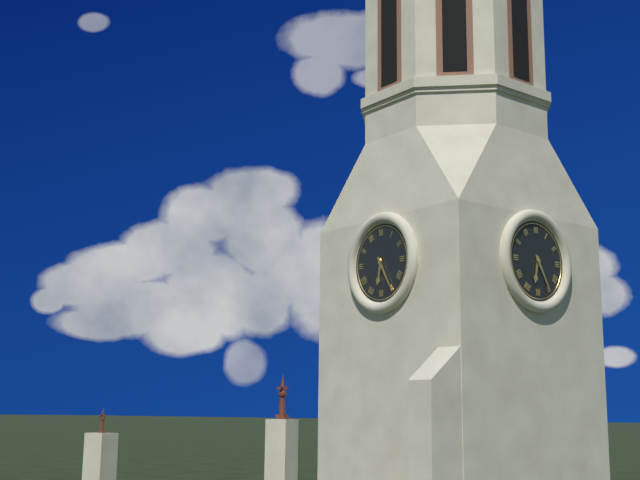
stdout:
{"hour": 6, "minute": 25}
